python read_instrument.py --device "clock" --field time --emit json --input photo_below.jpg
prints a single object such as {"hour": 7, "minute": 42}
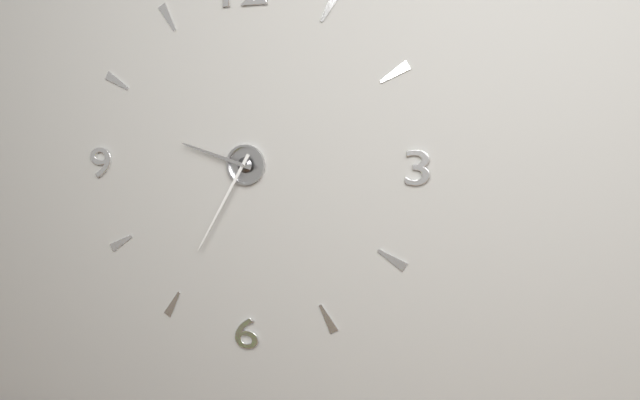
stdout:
{"hour": 9, "minute": 35}
